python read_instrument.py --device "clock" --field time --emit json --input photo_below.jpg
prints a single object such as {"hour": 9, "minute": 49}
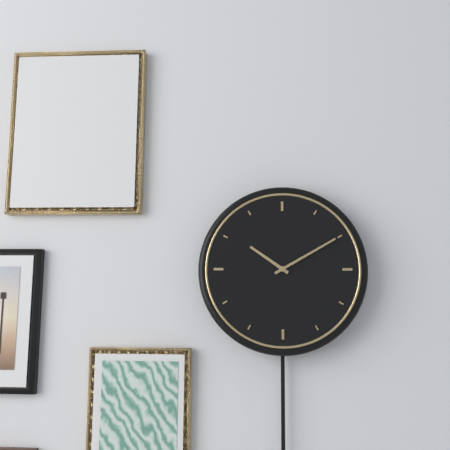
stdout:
{"hour": 10, "minute": 10}
